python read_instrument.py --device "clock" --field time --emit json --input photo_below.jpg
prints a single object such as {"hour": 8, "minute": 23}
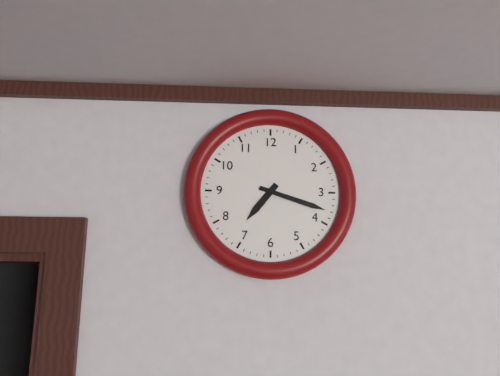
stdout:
{"hour": 7, "minute": 18}
